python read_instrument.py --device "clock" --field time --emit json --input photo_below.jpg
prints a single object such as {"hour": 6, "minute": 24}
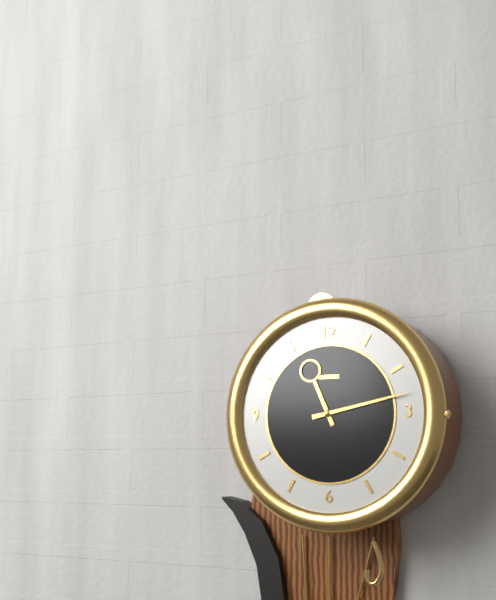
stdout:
{"hour": 11, "minute": 13}
